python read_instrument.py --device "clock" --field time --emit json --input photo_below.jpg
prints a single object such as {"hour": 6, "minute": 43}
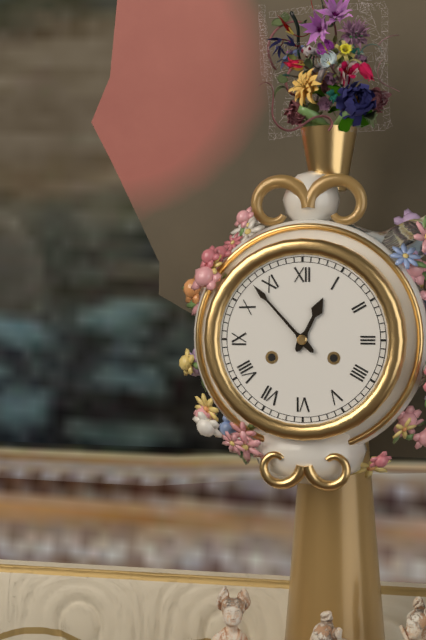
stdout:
{"hour": 12, "minute": 53}
